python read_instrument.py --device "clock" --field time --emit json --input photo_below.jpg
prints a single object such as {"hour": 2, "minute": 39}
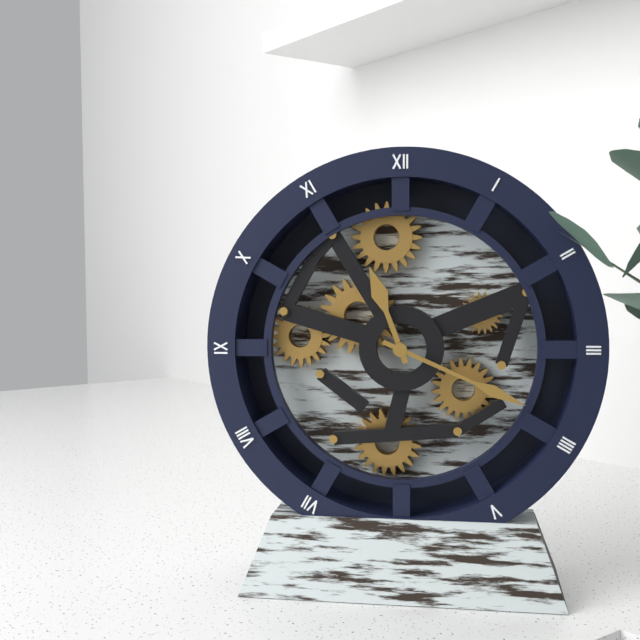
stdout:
{"hour": 11, "minute": 19}
